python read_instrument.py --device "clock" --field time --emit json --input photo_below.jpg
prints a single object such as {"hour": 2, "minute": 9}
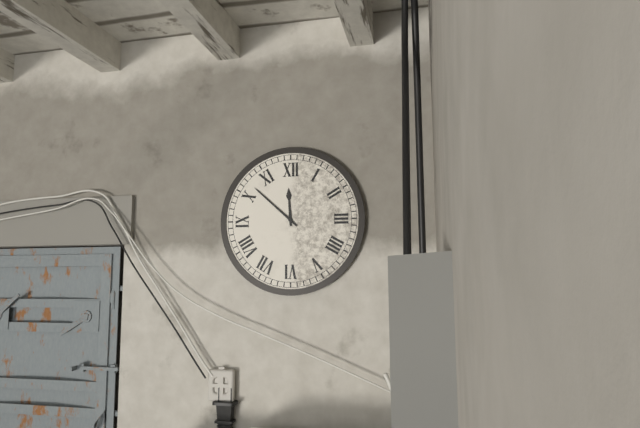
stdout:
{"hour": 11, "minute": 52}
